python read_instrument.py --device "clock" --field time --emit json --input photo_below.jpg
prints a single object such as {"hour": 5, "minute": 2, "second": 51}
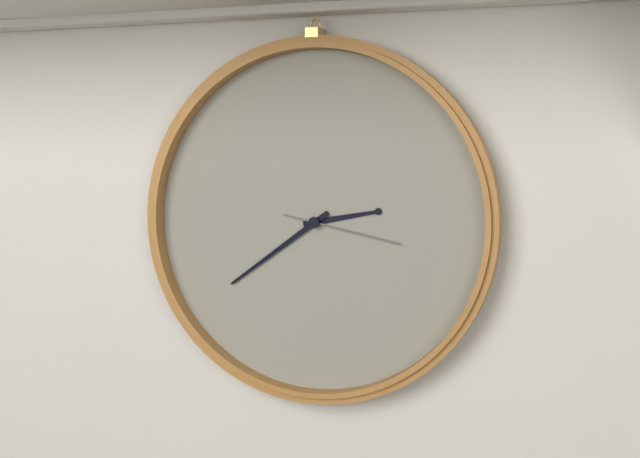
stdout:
{"hour": 2, "minute": 39, "second": 17}
